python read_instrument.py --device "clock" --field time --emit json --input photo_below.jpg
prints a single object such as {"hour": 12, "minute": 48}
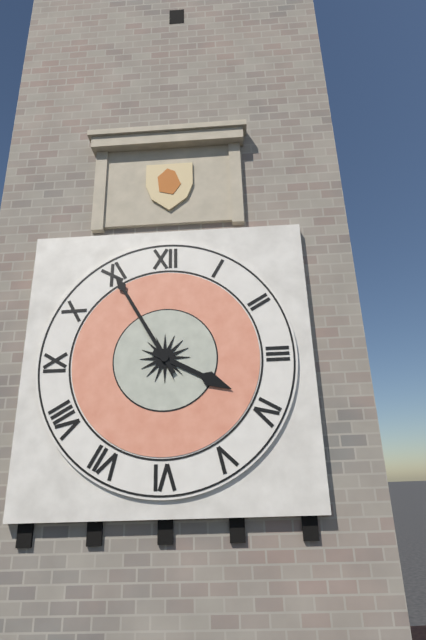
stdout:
{"hour": 3, "minute": 55}
